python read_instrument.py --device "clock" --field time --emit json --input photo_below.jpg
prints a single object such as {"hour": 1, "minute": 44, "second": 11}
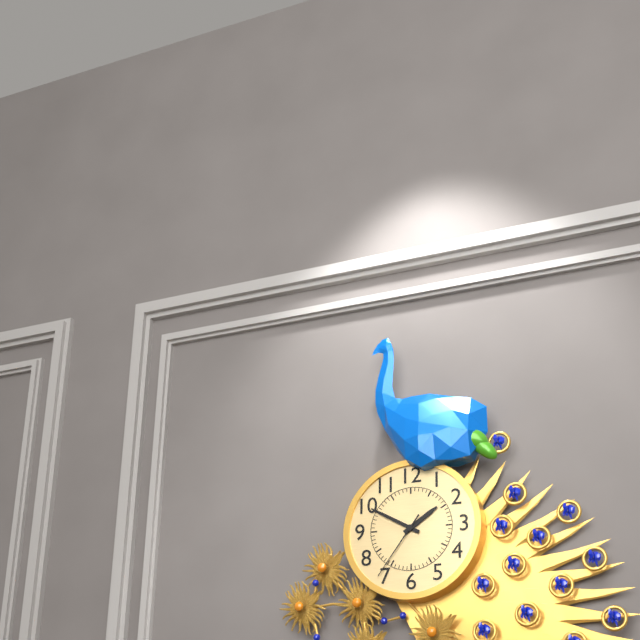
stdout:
{"hour": 1, "minute": 50, "second": 36}
